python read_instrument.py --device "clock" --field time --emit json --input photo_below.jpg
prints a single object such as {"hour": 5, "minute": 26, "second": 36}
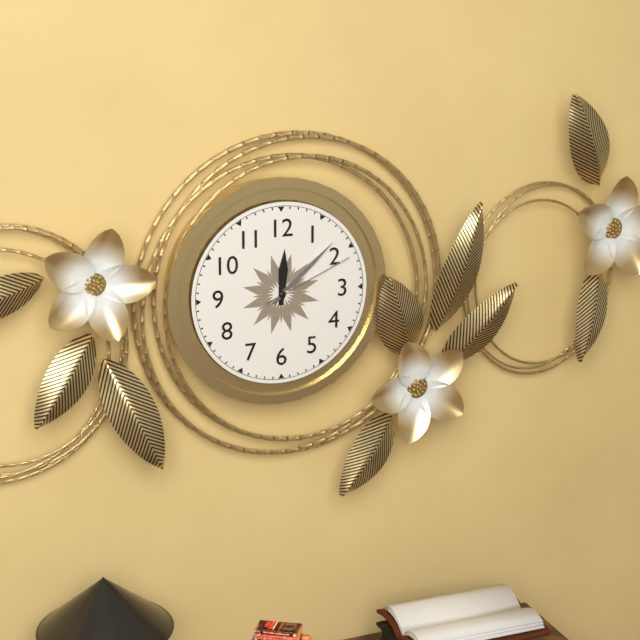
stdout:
{"hour": 12, "minute": 8, "second": 11}
